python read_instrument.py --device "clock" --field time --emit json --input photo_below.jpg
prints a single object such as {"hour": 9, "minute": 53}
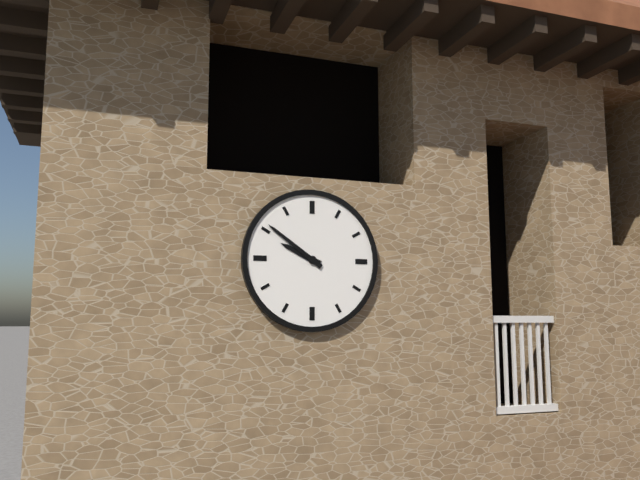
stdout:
{"hour": 9, "minute": 51}
